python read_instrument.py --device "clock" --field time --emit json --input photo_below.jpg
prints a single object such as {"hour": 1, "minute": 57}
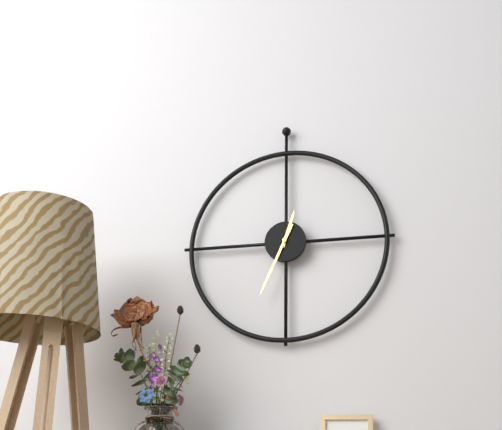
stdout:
{"hour": 12, "minute": 34}
